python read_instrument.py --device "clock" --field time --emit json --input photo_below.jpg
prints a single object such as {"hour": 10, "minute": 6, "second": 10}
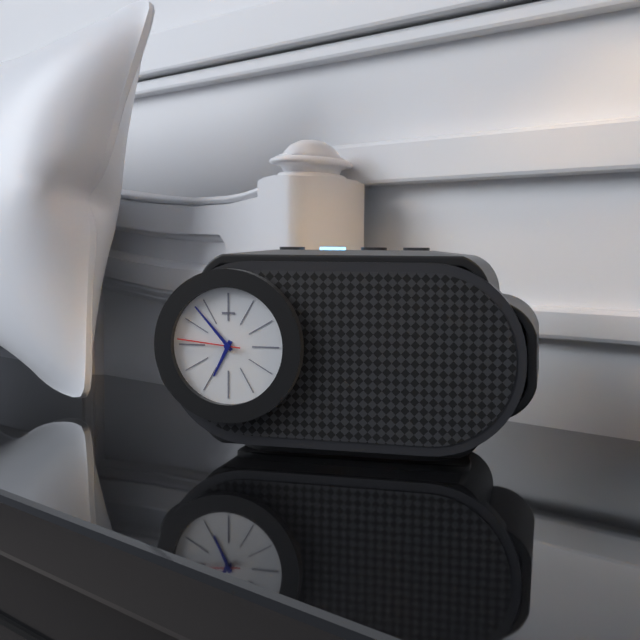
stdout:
{"hour": 6, "minute": 53, "second": 46}
